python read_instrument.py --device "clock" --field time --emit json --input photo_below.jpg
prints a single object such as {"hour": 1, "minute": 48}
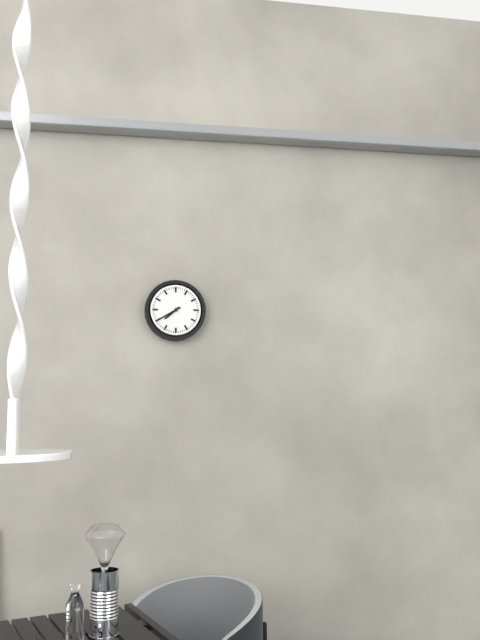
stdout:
{"hour": 7, "minute": 40}
